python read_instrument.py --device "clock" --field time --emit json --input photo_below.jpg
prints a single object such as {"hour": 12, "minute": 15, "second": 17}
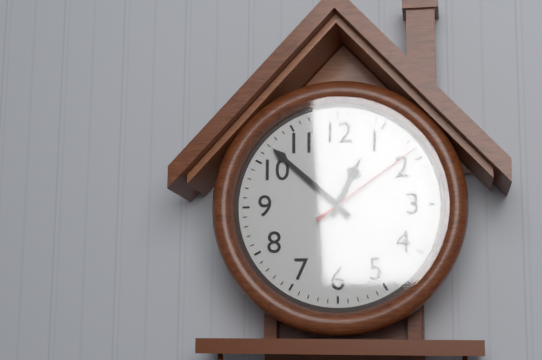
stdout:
{"hour": 12, "minute": 52, "second": 9}
